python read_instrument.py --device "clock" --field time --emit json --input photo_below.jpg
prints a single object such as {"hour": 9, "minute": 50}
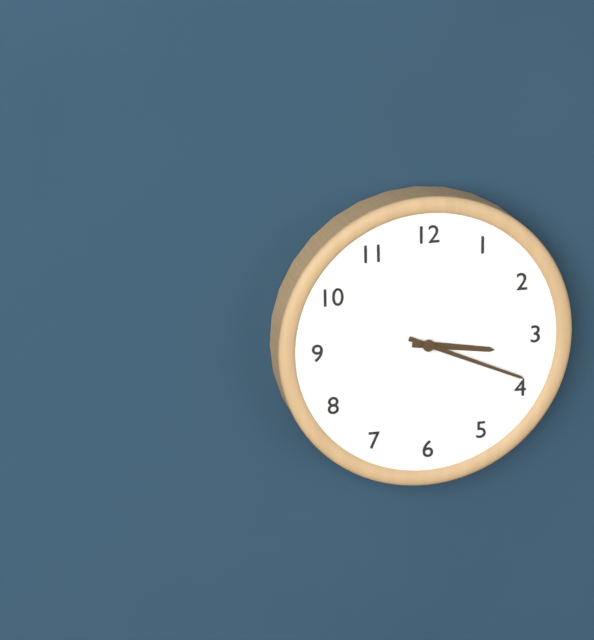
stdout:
{"hour": 3, "minute": 19}
